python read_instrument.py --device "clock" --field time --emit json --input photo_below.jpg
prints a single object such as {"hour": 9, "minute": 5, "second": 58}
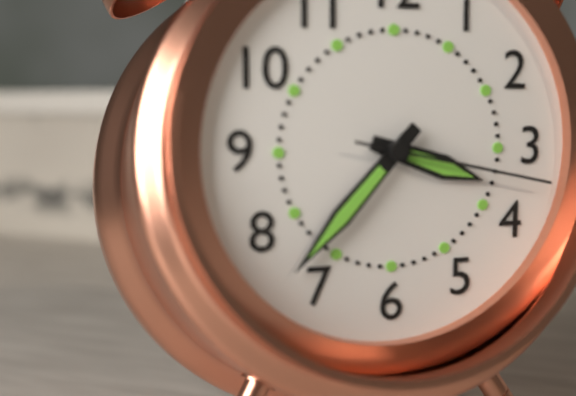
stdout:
{"hour": 3, "minute": 37, "second": 17}
